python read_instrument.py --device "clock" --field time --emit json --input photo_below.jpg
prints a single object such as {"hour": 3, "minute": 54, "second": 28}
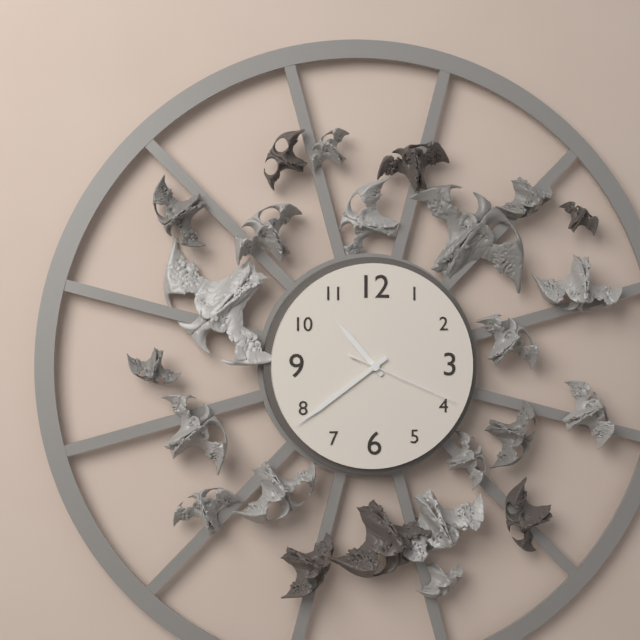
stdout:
{"hour": 10, "minute": 39, "second": 19}
